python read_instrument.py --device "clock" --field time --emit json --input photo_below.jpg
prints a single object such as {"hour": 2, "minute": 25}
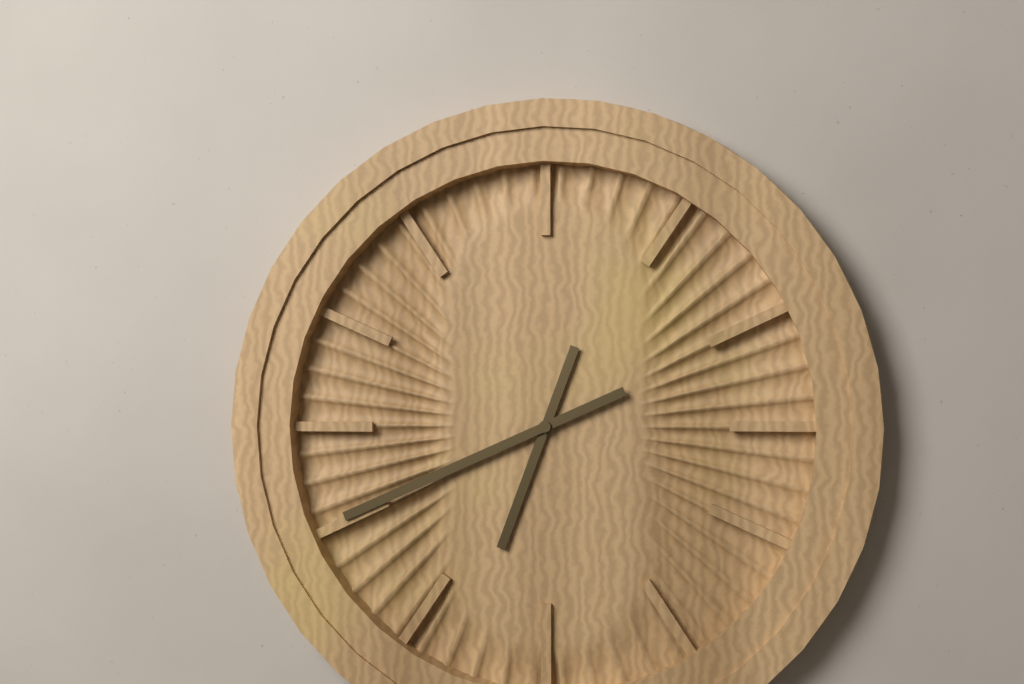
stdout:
{"hour": 6, "minute": 41}
